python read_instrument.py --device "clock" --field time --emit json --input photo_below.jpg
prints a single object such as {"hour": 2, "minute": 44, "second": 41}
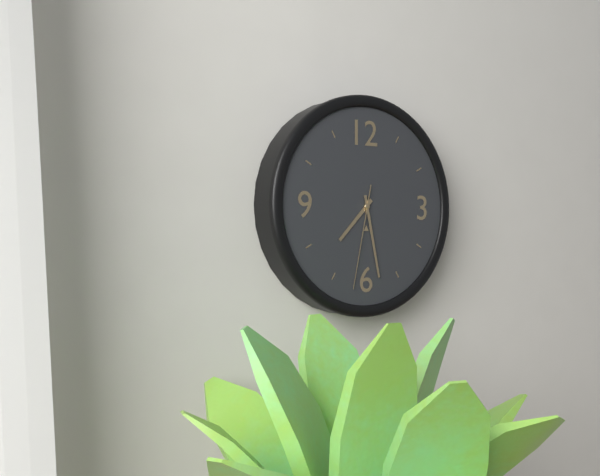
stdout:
{"hour": 7, "minute": 28, "second": 32}
